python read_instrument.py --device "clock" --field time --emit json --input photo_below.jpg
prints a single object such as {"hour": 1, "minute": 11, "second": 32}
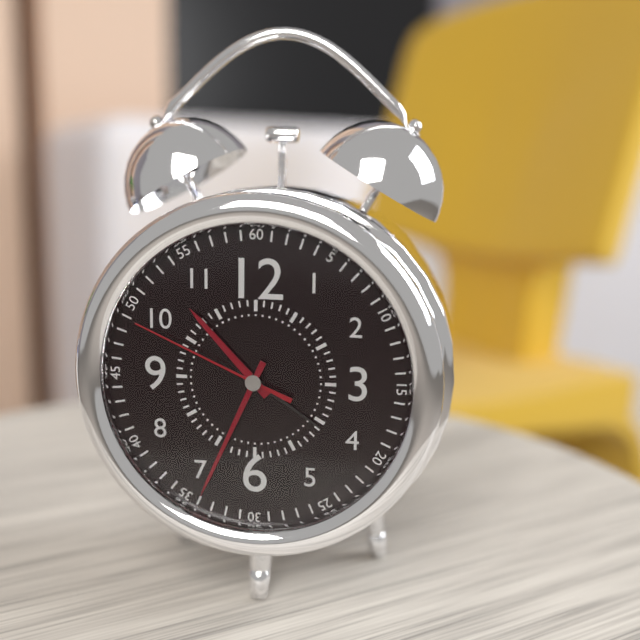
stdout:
{"hour": 10, "minute": 34, "second": 49}
